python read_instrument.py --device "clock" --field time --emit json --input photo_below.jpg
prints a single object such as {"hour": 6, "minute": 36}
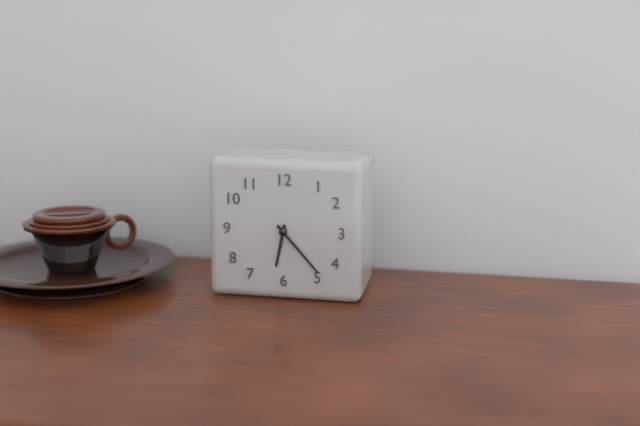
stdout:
{"hour": 6, "minute": 23}
